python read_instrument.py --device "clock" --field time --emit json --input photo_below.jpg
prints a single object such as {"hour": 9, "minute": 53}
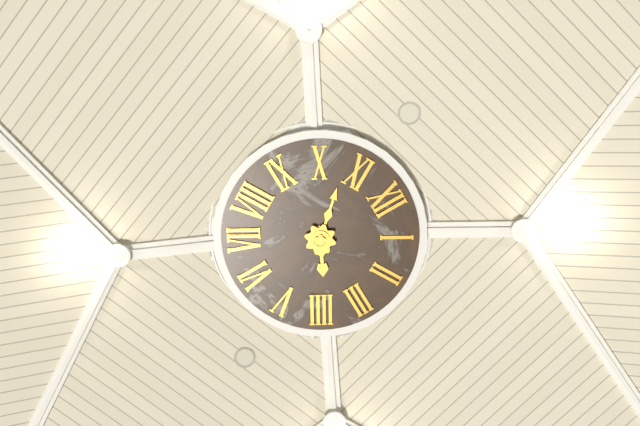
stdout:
{"hour": 3, "minute": 53}
